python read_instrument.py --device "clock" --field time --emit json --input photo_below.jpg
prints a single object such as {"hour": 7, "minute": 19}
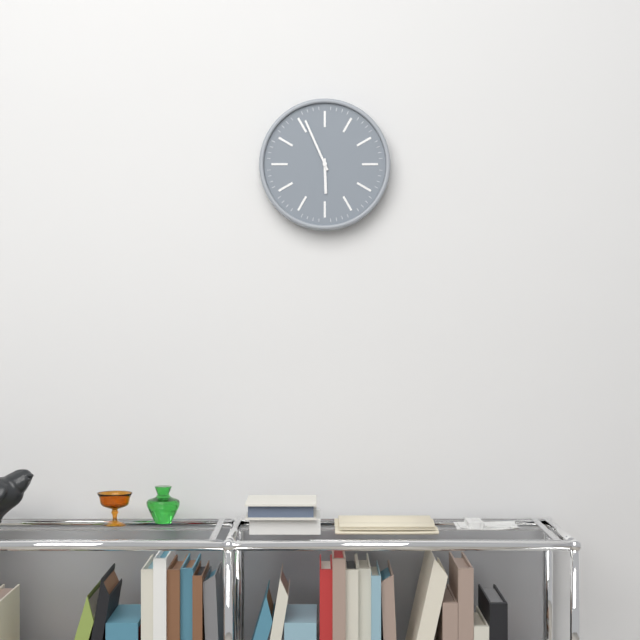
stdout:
{"hour": 5, "minute": 56}
